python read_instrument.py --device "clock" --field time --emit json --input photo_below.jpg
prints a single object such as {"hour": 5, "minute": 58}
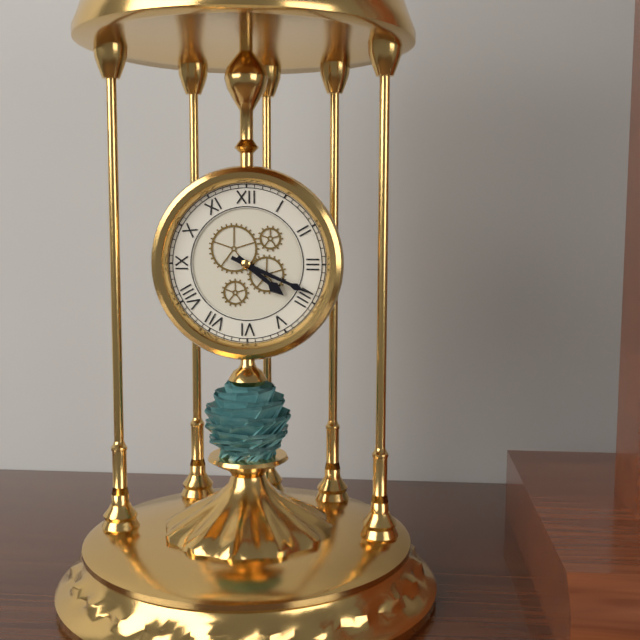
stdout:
{"hour": 4, "minute": 19}
